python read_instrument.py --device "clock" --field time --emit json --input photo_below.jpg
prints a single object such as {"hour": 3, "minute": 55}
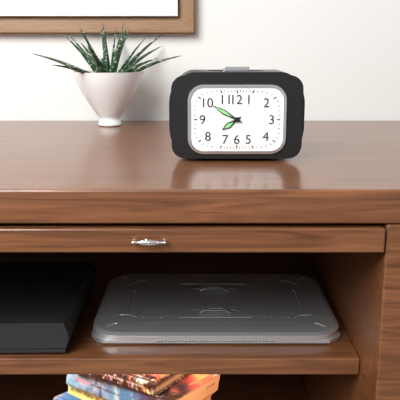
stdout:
{"hour": 7, "minute": 50}
